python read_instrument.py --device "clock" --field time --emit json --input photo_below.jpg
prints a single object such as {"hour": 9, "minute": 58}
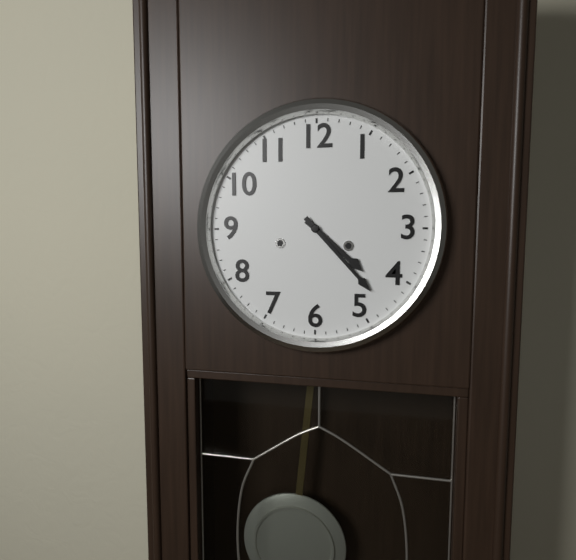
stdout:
{"hour": 4, "minute": 23}
